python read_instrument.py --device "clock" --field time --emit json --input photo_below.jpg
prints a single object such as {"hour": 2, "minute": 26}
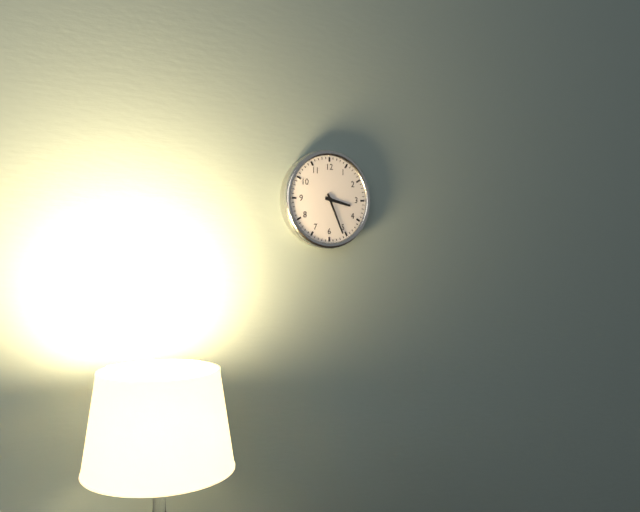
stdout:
{"hour": 3, "minute": 26}
